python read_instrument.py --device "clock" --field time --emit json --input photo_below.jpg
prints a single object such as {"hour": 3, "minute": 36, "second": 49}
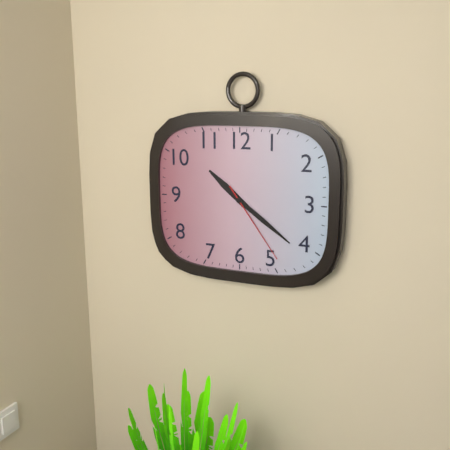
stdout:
{"hour": 10, "minute": 21, "second": 24}
